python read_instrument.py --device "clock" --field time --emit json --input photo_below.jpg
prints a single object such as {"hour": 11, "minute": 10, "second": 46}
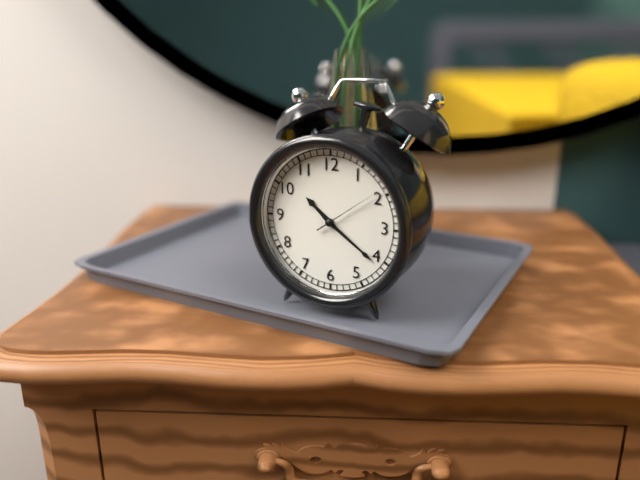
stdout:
{"hour": 10, "minute": 21, "second": 9}
